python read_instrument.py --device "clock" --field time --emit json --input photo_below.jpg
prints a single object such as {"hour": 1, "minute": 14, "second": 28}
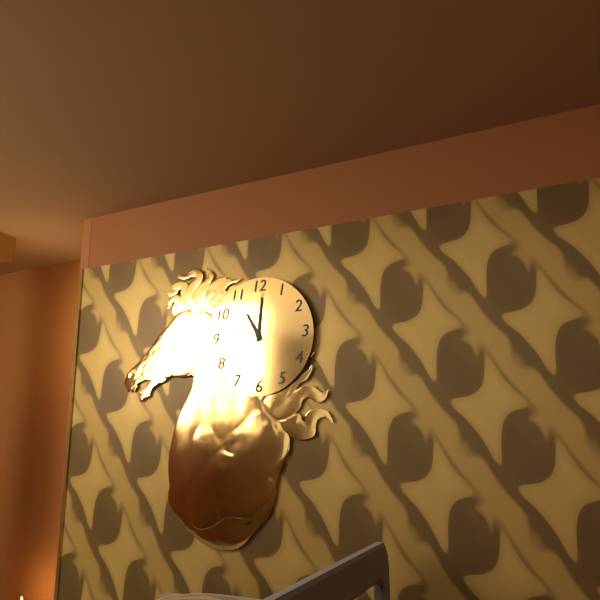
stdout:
{"hour": 11, "minute": 1, "second": 48}
